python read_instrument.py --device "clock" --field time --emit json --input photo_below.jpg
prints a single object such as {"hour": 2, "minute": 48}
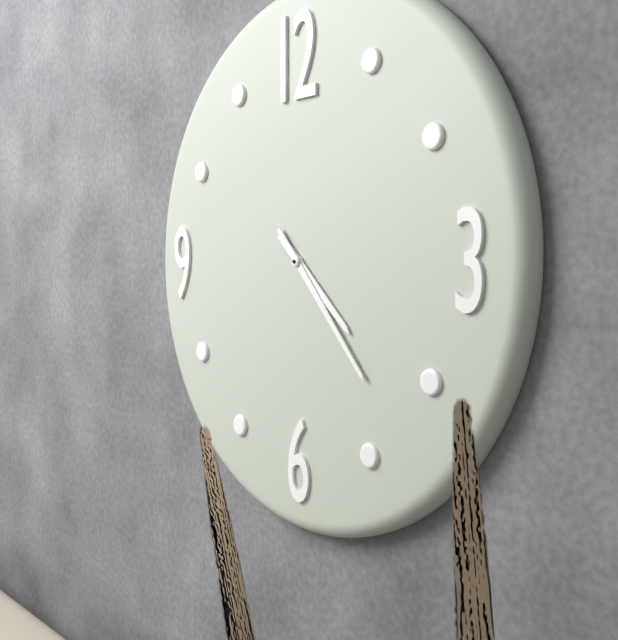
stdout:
{"hour": 4, "minute": 23}
